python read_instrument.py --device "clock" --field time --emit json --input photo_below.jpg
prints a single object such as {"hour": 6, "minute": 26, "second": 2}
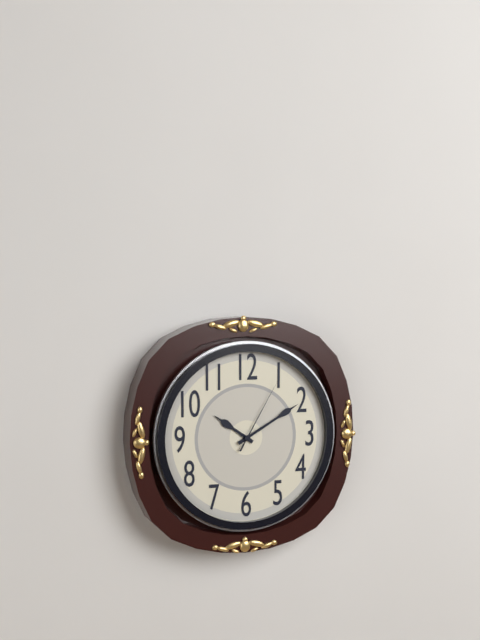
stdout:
{"hour": 10, "minute": 10, "second": 5}
